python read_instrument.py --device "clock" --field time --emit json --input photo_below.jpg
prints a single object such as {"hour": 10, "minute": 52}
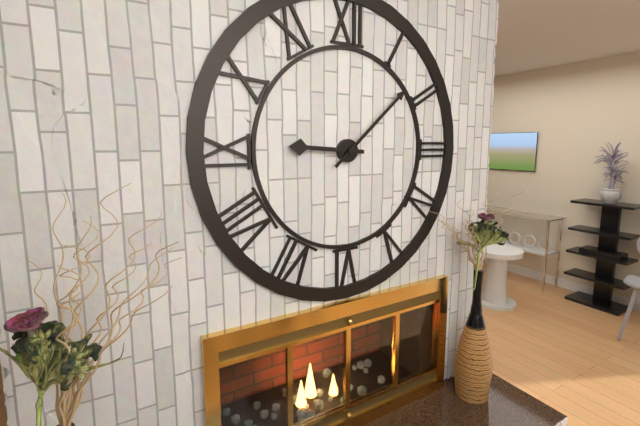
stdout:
{"hour": 9, "minute": 8}
